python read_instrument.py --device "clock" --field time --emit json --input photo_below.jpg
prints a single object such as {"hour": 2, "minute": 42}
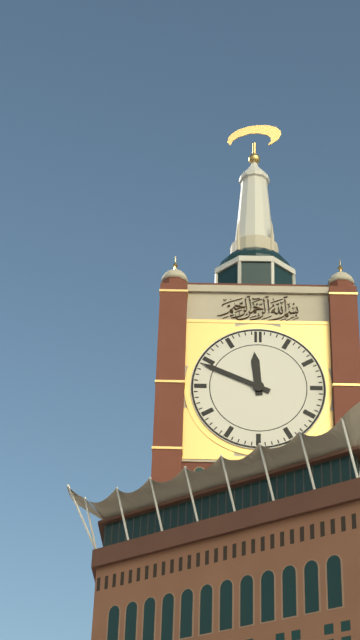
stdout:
{"hour": 11, "minute": 49}
